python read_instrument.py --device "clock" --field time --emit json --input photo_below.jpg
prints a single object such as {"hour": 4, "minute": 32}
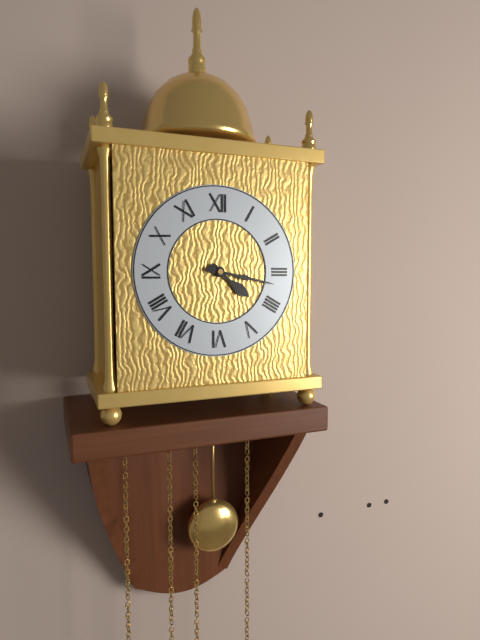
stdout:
{"hour": 4, "minute": 17}
